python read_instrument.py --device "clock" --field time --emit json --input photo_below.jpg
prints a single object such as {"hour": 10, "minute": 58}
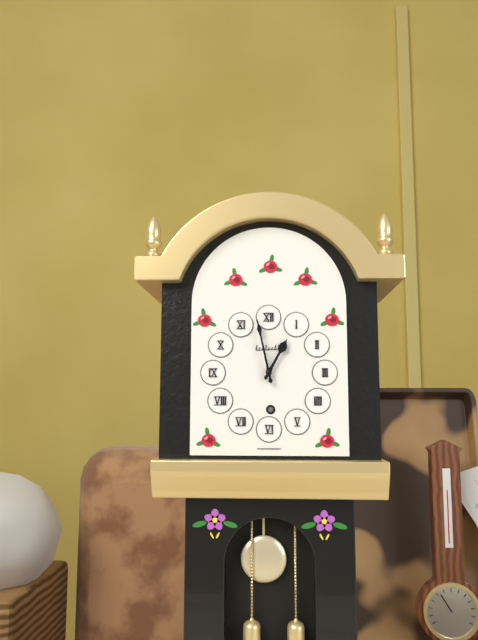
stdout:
{"hour": 12, "minute": 58}
